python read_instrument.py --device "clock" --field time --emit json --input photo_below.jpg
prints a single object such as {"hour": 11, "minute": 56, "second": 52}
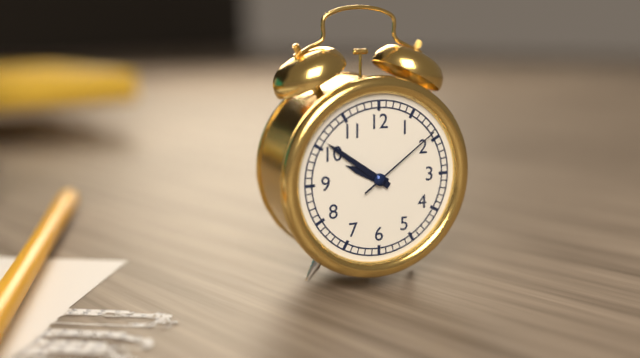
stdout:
{"hour": 9, "minute": 51, "second": 9}
